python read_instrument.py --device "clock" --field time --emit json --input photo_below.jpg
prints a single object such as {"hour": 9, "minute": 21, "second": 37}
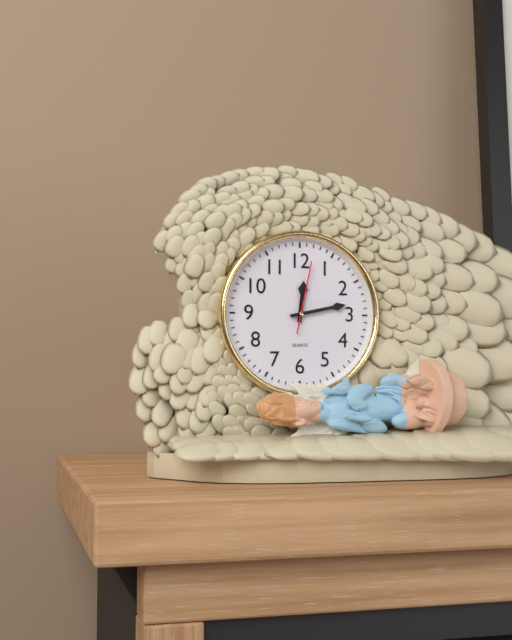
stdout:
{"hour": 12, "minute": 13, "second": 2}
